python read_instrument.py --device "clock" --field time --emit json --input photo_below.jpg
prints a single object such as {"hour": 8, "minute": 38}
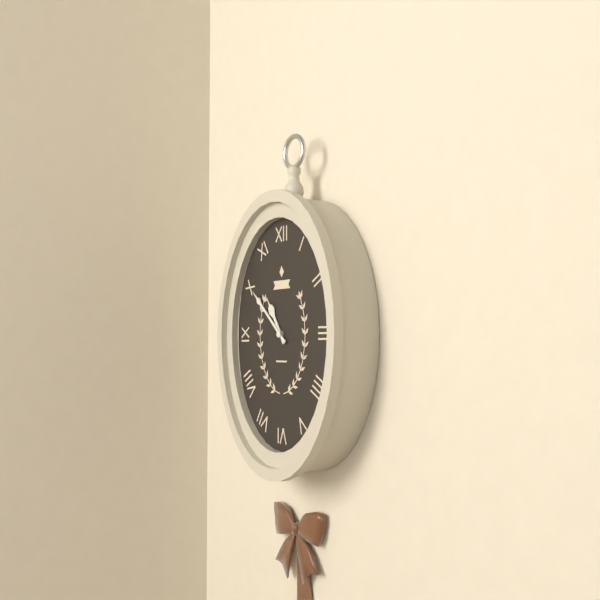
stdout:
{"hour": 10, "minute": 52}
